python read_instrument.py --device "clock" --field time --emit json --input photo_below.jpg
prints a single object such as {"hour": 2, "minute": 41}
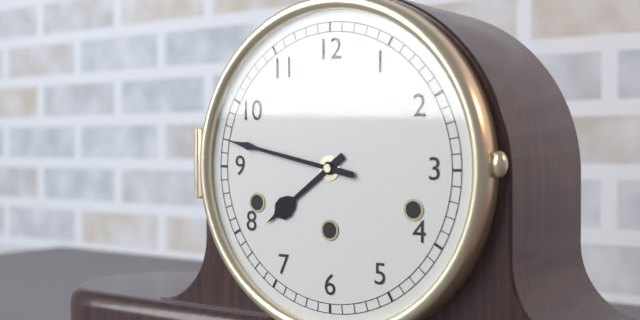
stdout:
{"hour": 7, "minute": 47}
